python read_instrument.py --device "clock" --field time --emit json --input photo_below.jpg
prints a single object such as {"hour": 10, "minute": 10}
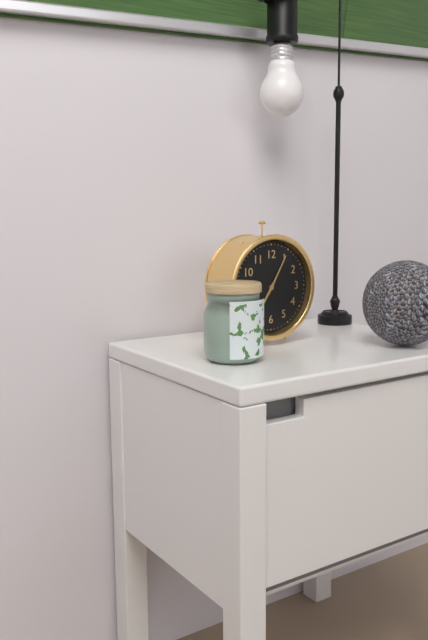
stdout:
{"hour": 7, "minute": 5}
